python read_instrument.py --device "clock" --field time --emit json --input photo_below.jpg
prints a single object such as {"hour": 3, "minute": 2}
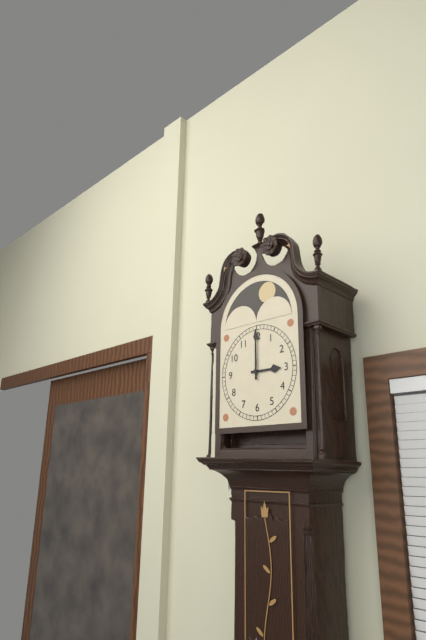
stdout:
{"hour": 3, "minute": 0}
